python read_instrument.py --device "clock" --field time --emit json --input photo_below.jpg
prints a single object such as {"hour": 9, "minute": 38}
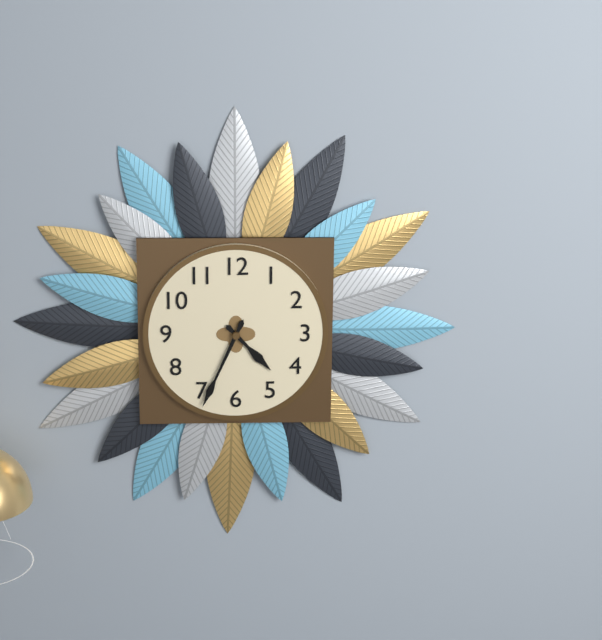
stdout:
{"hour": 4, "minute": 34}
